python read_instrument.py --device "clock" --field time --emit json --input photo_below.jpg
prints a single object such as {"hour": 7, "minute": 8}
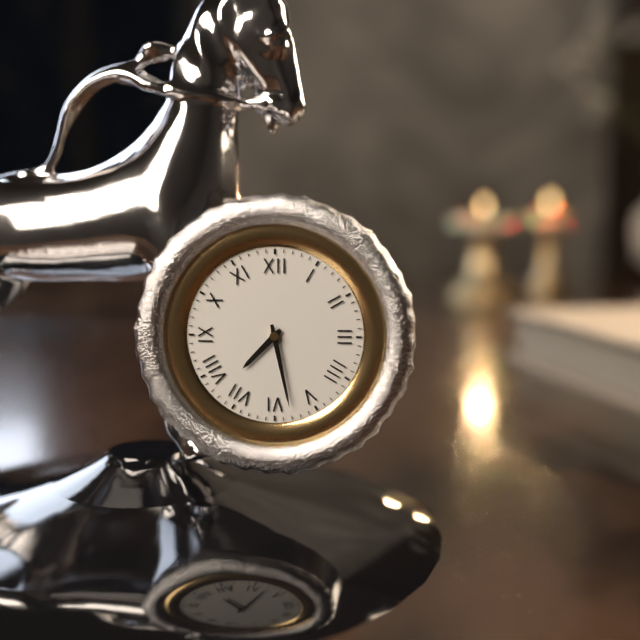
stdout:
{"hour": 7, "minute": 28}
